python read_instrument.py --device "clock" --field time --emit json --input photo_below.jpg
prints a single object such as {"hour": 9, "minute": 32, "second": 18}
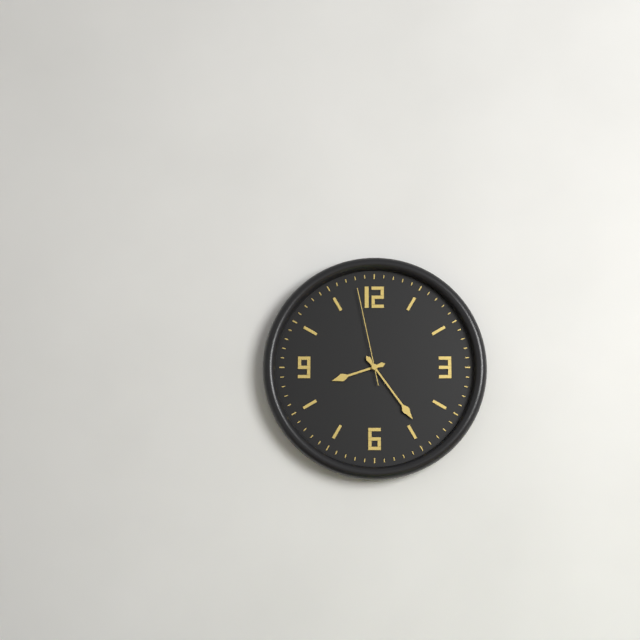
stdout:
{"hour": 8, "minute": 24, "second": 58}
